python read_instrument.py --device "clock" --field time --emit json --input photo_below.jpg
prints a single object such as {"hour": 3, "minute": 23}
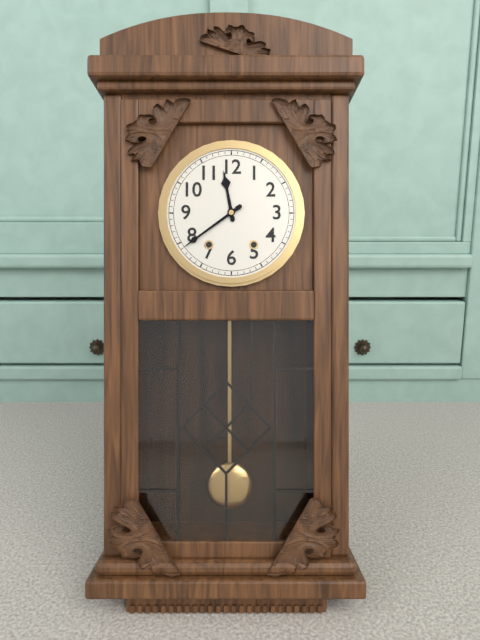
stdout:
{"hour": 11, "minute": 39}
